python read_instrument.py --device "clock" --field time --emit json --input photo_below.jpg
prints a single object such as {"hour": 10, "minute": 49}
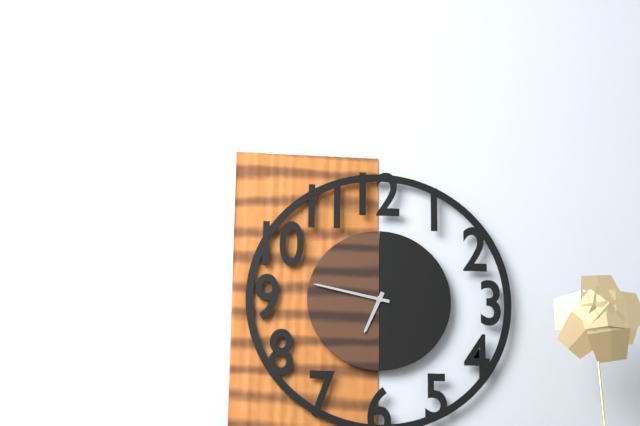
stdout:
{"hour": 6, "minute": 47}
